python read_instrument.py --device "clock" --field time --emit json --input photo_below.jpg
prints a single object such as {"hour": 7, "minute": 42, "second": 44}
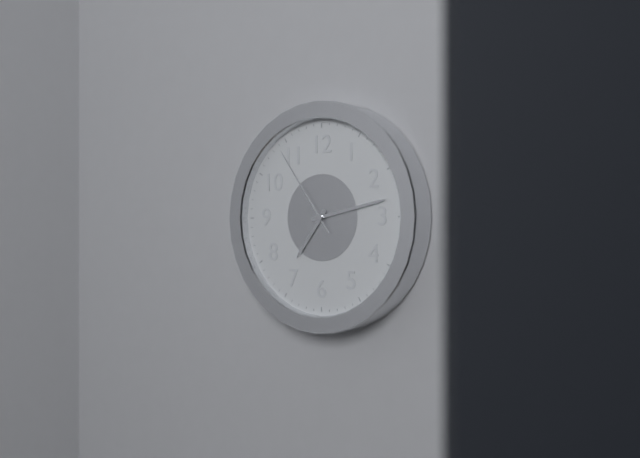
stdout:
{"hour": 7, "minute": 13, "second": 54}
